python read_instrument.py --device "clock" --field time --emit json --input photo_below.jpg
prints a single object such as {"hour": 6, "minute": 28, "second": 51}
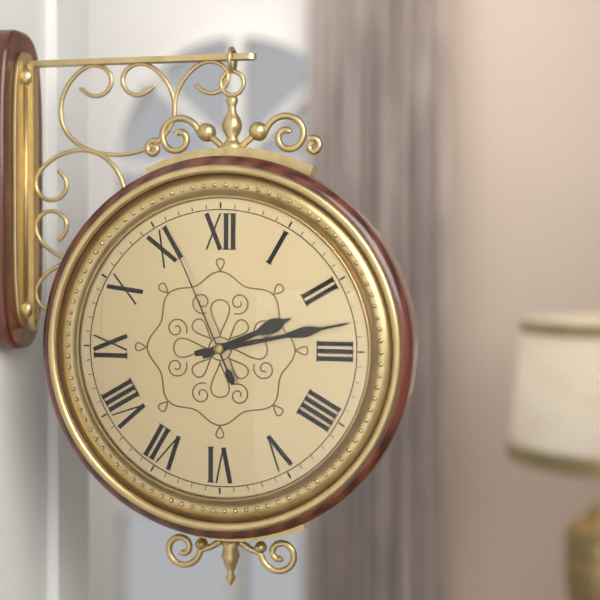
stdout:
{"hour": 2, "minute": 13, "second": 56}
